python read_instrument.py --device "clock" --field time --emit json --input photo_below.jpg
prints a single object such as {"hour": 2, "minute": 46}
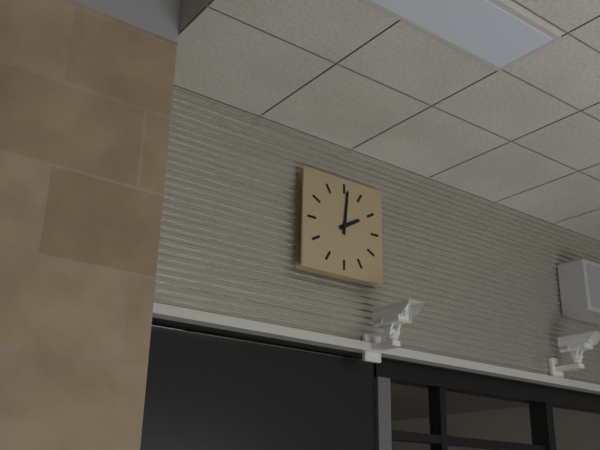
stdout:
{"hour": 2, "minute": 1}
